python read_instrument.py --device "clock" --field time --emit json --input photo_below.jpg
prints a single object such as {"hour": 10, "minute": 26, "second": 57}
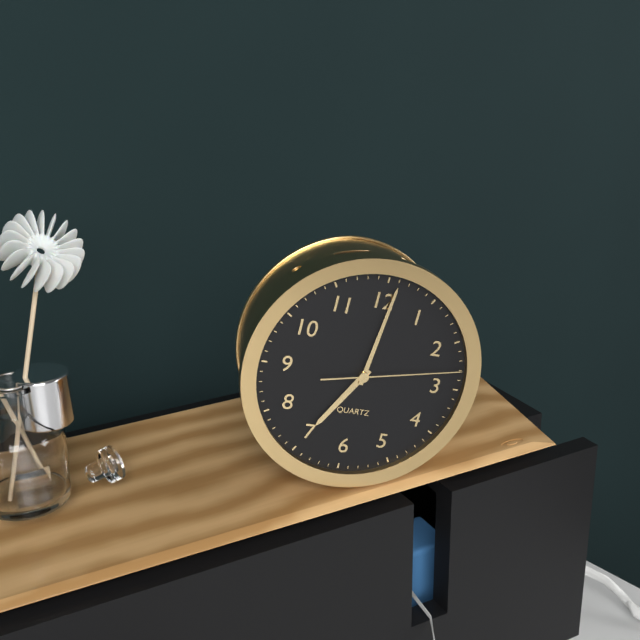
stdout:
{"hour": 7, "minute": 1, "second": 13}
